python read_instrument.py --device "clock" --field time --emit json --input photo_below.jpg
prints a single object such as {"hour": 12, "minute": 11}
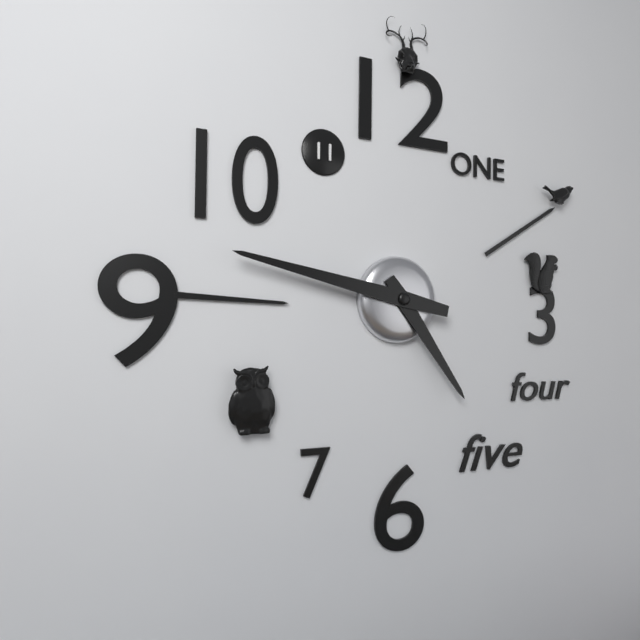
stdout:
{"hour": 4, "minute": 47}
